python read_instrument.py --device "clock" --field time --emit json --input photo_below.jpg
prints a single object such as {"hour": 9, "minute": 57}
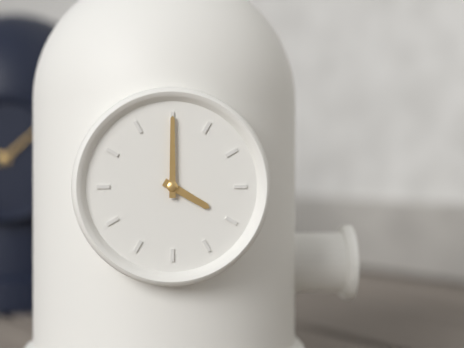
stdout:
{"hour": 4, "minute": 0}
